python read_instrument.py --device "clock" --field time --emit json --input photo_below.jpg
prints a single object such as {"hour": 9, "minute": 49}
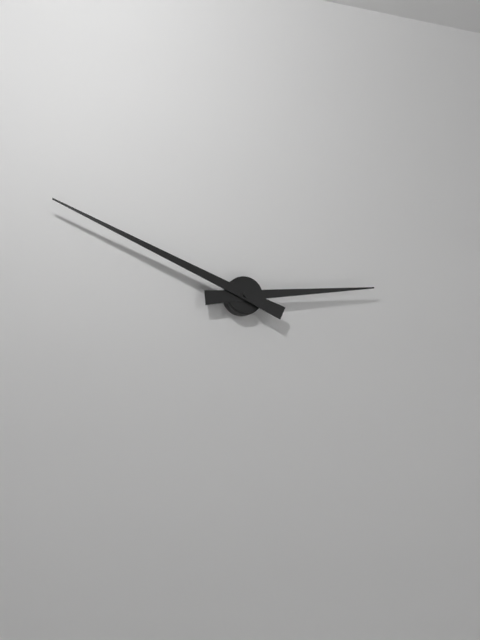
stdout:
{"hour": 2, "minute": 49}
